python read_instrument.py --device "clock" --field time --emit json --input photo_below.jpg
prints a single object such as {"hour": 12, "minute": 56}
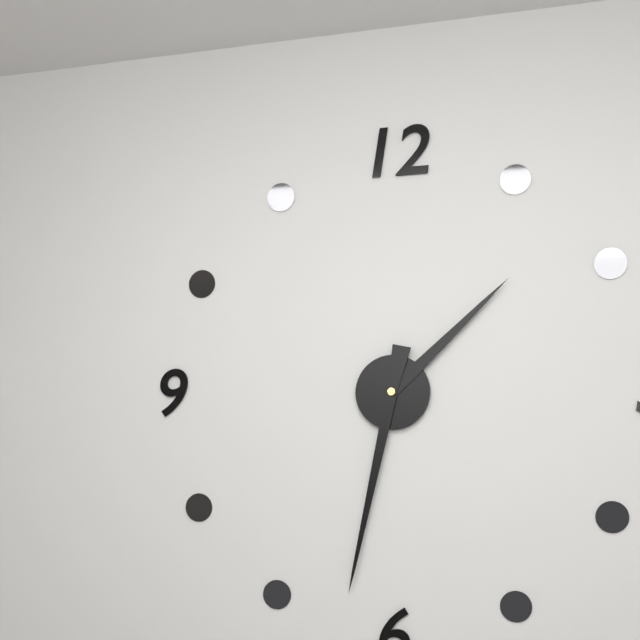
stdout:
{"hour": 1, "minute": 32}
